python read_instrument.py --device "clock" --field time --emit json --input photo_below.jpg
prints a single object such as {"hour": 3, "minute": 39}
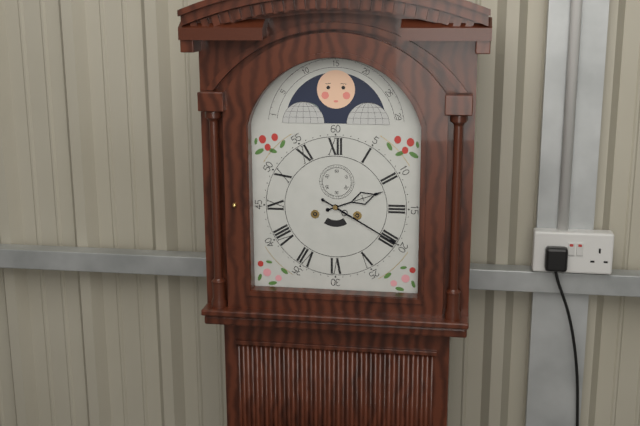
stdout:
{"hour": 2, "minute": 20}
